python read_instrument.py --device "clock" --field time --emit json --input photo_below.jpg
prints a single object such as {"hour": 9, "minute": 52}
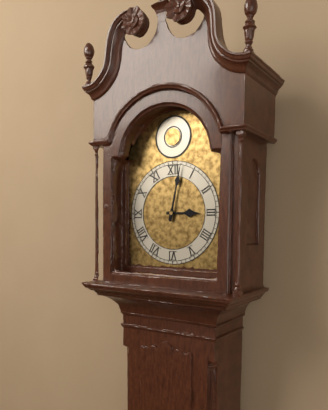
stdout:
{"hour": 3, "minute": 2}
